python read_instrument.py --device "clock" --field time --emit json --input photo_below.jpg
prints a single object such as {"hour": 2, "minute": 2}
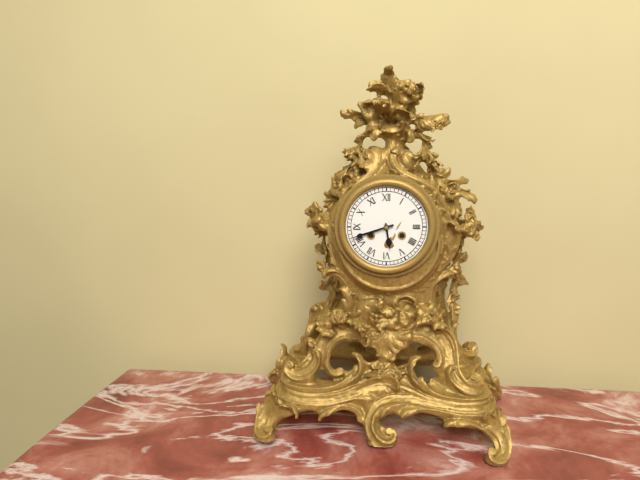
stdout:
{"hour": 5, "minute": 42}
